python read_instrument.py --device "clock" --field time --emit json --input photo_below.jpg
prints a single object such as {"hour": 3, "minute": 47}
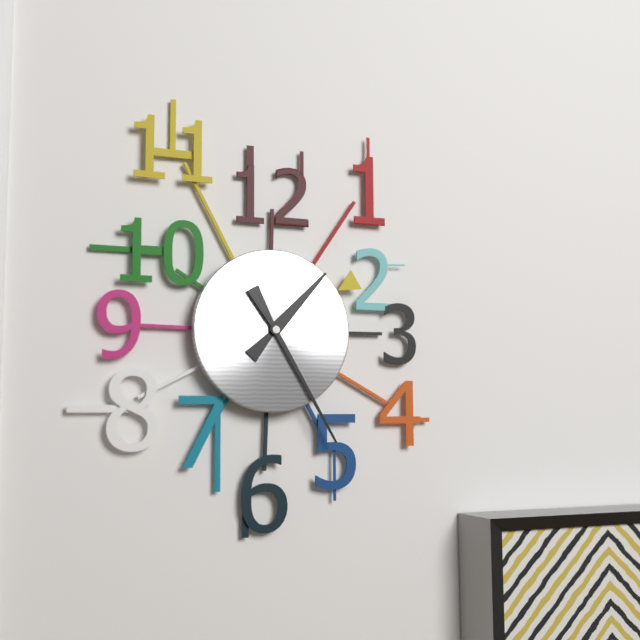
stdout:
{"hour": 1, "minute": 25}
